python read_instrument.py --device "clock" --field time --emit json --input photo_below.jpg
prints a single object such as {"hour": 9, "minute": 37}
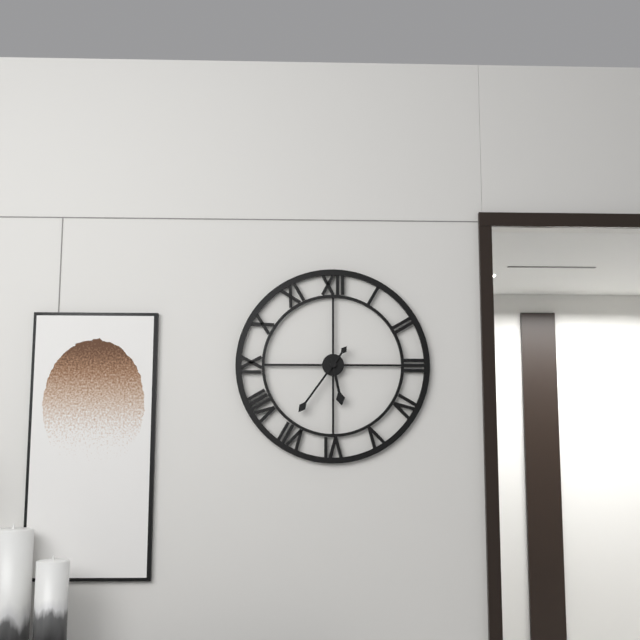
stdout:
{"hour": 5, "minute": 36}
